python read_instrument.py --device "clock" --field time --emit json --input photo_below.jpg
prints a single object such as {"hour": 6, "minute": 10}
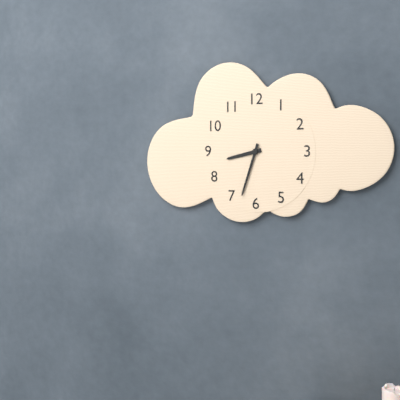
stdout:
{"hour": 8, "minute": 33}
